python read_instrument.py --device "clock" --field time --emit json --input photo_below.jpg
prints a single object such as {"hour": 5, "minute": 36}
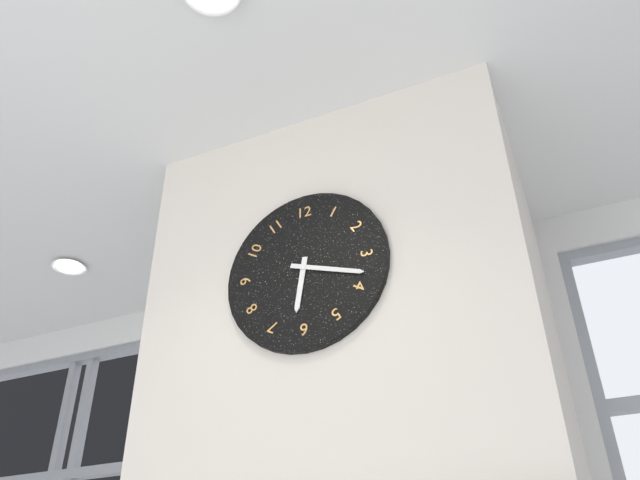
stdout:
{"hour": 6, "minute": 18}
